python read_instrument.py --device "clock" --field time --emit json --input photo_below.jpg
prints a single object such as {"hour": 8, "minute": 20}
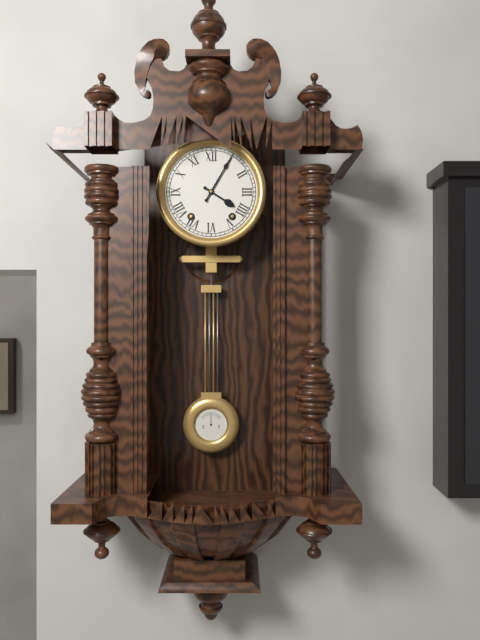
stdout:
{"hour": 4, "minute": 5}
